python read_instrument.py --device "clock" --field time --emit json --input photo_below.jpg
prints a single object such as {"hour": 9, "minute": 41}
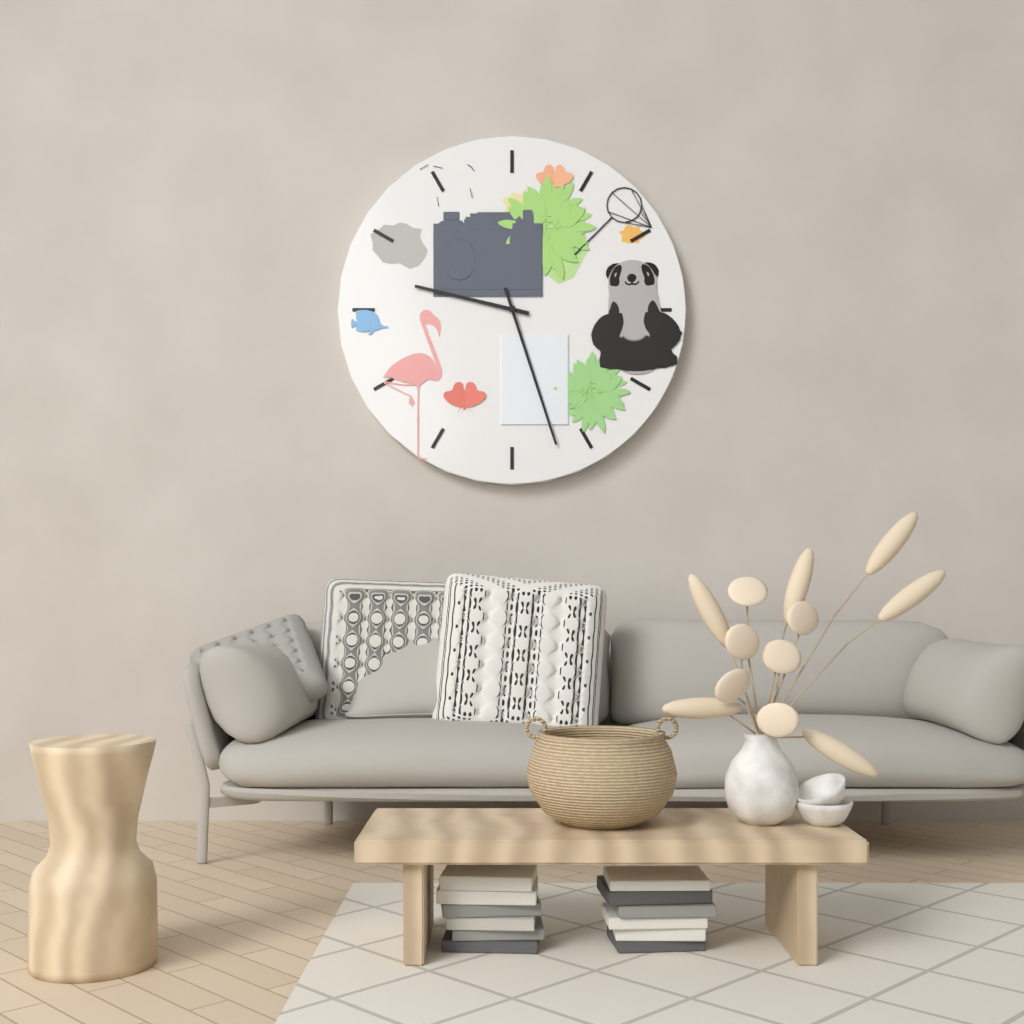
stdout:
{"hour": 9, "minute": 27}
